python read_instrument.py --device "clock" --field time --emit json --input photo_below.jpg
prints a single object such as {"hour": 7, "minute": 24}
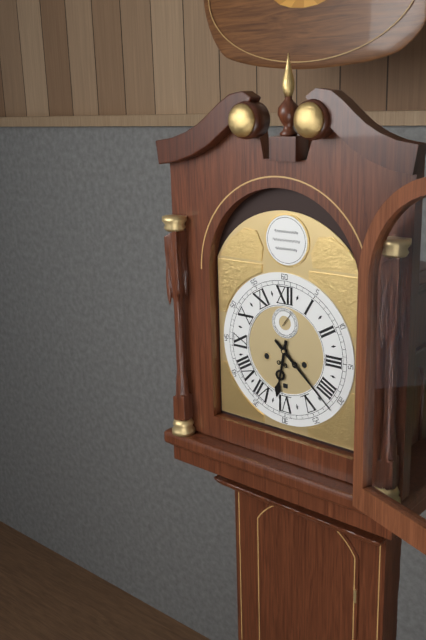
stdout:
{"hour": 6, "minute": 22}
